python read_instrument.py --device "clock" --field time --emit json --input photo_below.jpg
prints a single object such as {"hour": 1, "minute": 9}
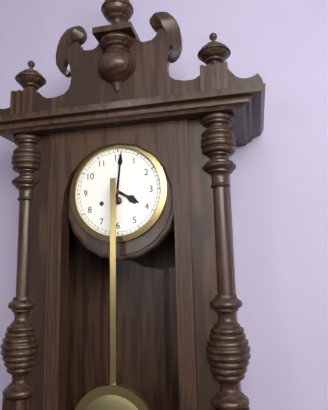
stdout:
{"hour": 4, "minute": 1}
